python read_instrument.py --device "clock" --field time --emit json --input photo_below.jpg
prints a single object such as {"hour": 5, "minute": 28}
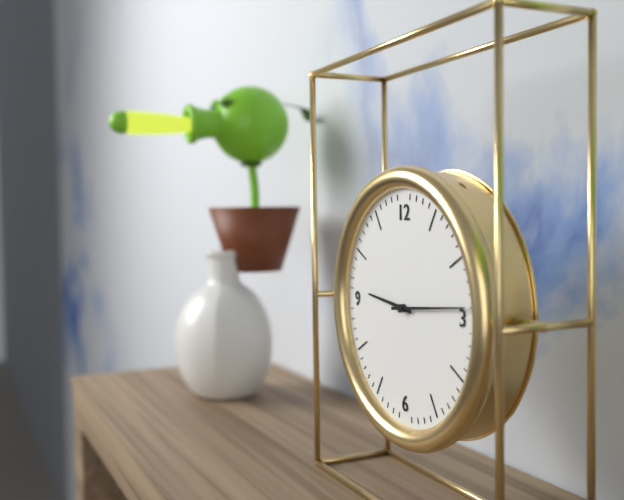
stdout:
{"hour": 9, "minute": 14}
